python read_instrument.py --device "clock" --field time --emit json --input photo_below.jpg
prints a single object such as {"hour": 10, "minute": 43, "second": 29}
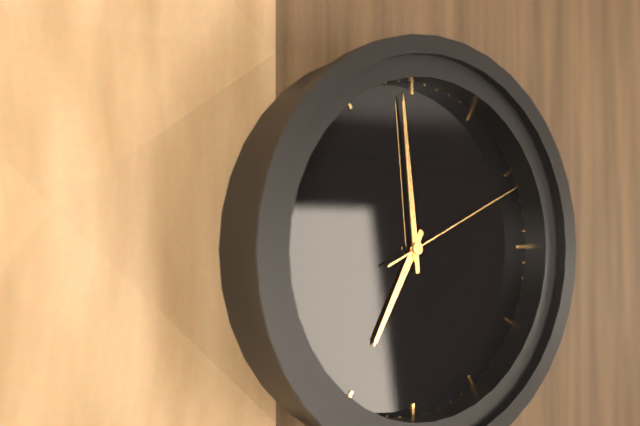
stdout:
{"hour": 6, "minute": 59, "second": 11}
